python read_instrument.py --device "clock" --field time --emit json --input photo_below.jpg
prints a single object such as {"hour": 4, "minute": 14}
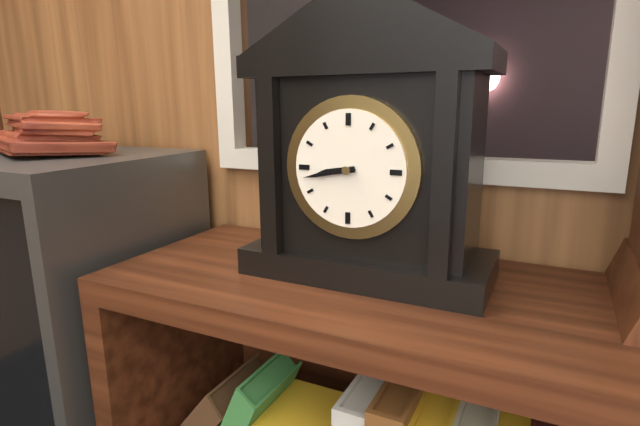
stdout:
{"hour": 8, "minute": 43}
